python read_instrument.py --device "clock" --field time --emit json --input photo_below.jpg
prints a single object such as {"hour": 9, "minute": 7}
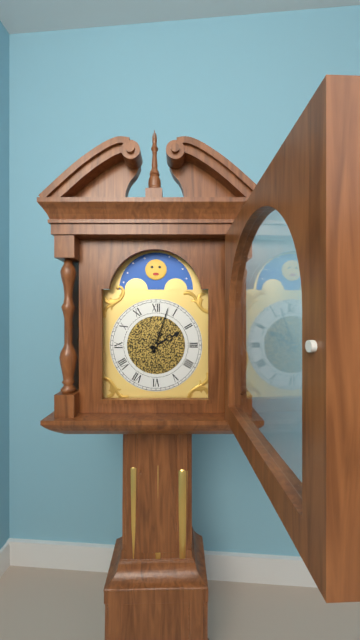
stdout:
{"hour": 2, "minute": 3}
